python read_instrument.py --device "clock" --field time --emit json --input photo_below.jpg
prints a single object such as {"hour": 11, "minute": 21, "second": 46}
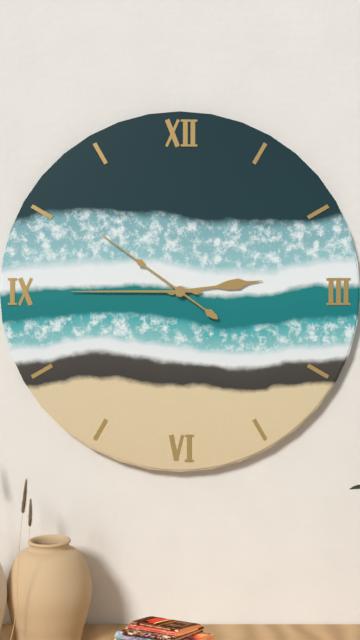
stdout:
{"hour": 2, "minute": 45, "second": 51}
